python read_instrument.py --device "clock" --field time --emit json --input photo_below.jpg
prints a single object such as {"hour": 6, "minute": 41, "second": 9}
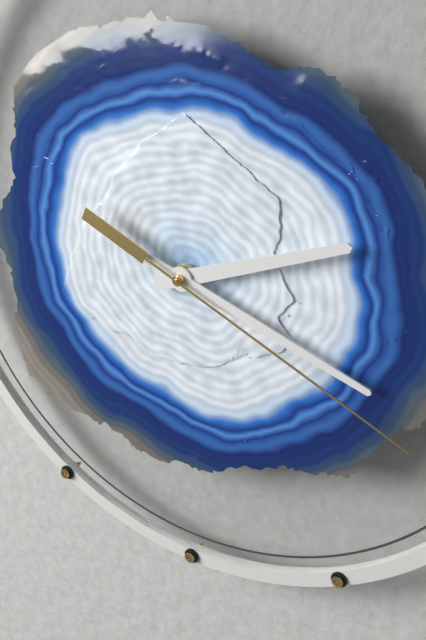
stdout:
{"hour": 2, "minute": 18, "second": 19}
